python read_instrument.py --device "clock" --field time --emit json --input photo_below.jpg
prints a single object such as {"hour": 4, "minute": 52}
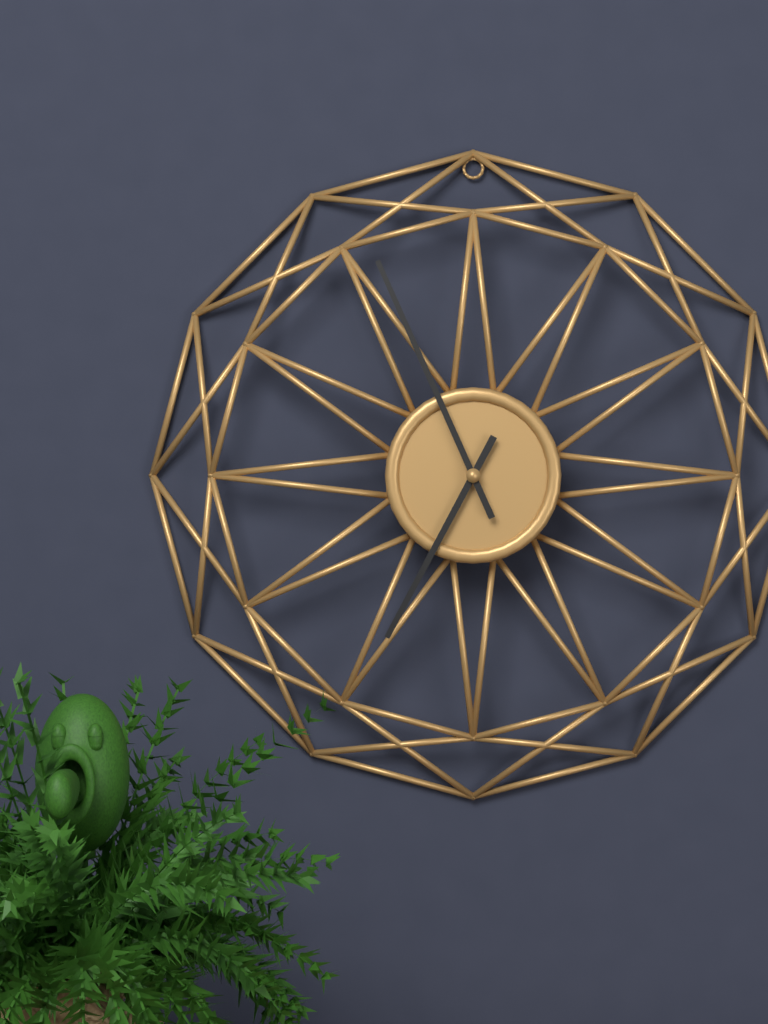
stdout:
{"hour": 6, "minute": 56}
